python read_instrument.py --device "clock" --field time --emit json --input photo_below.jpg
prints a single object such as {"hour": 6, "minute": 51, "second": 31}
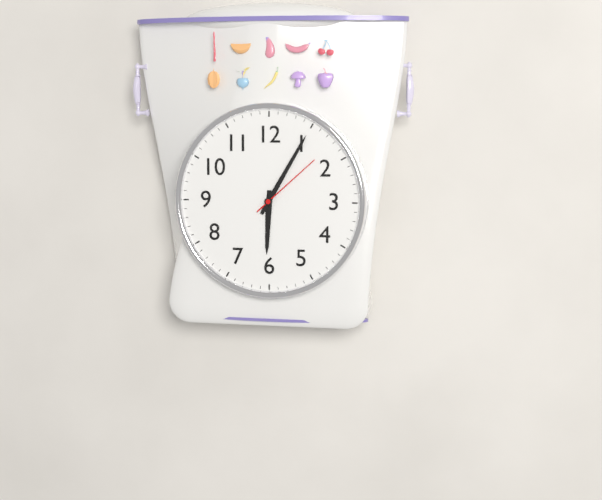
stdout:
{"hour": 6, "minute": 5, "second": 8}
